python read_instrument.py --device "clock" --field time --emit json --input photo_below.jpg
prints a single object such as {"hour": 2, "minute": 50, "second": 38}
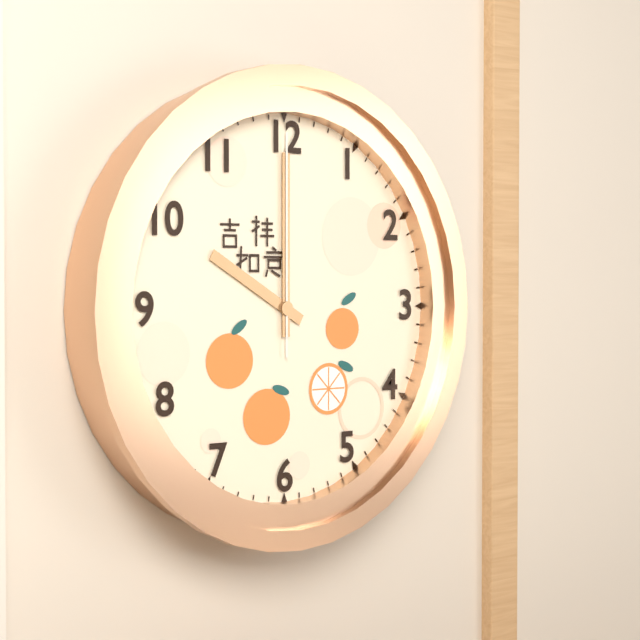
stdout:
{"hour": 10, "minute": 0, "second": 0}
